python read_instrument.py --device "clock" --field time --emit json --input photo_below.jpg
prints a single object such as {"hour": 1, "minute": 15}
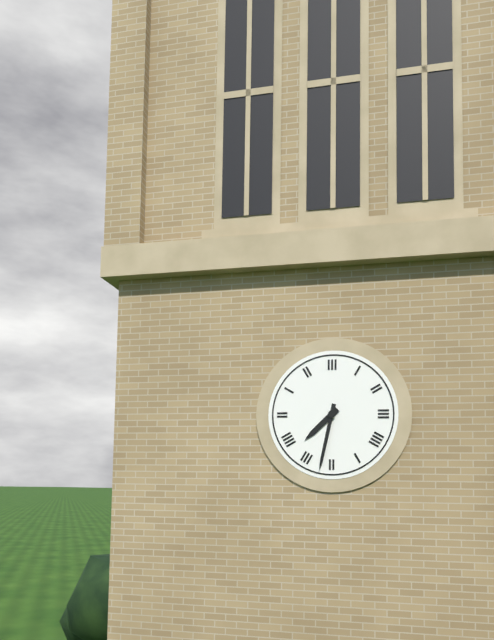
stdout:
{"hour": 7, "minute": 32}
